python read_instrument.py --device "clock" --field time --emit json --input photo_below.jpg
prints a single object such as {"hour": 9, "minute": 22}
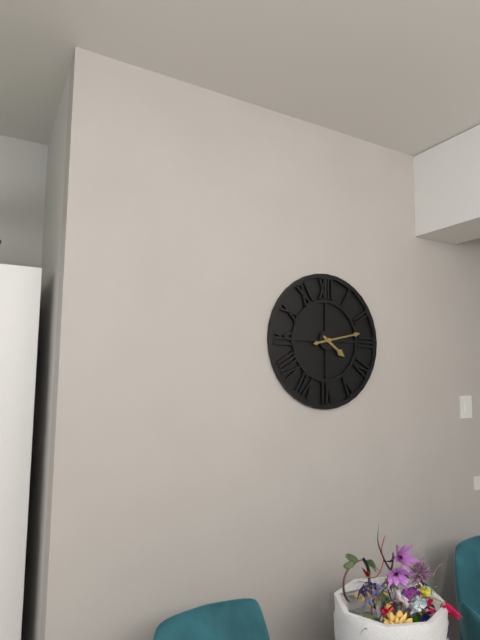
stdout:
{"hour": 4, "minute": 13}
